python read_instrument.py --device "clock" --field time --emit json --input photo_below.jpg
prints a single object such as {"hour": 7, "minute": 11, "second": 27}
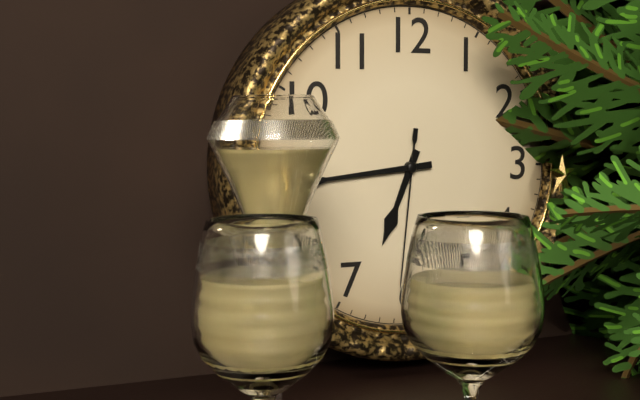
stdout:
{"hour": 6, "minute": 44, "second": 31}
